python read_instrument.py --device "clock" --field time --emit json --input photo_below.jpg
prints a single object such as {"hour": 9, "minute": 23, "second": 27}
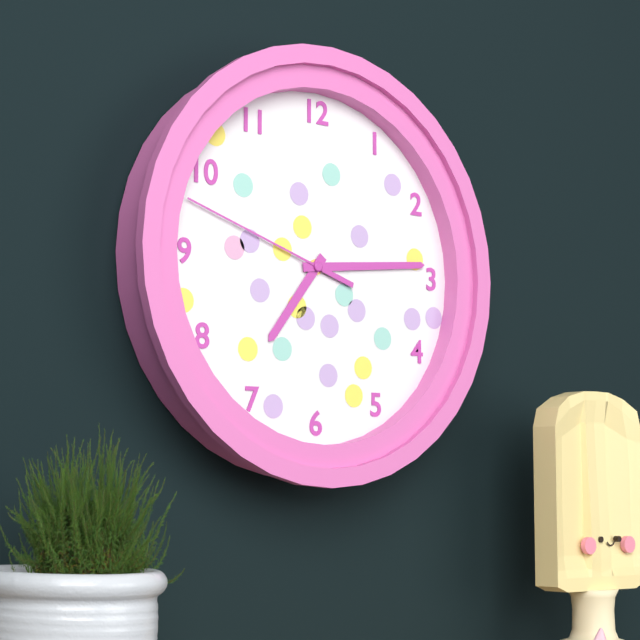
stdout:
{"hour": 7, "minute": 14, "second": 48}
